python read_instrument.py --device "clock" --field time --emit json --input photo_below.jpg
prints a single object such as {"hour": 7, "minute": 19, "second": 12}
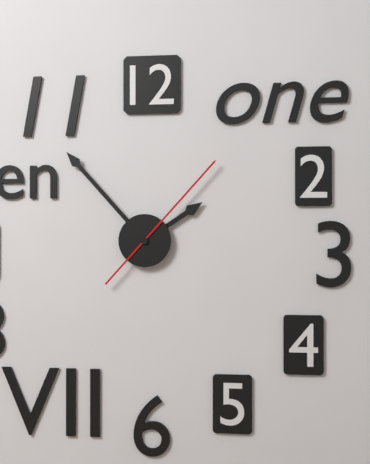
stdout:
{"hour": 1, "minute": 53, "second": 7}
